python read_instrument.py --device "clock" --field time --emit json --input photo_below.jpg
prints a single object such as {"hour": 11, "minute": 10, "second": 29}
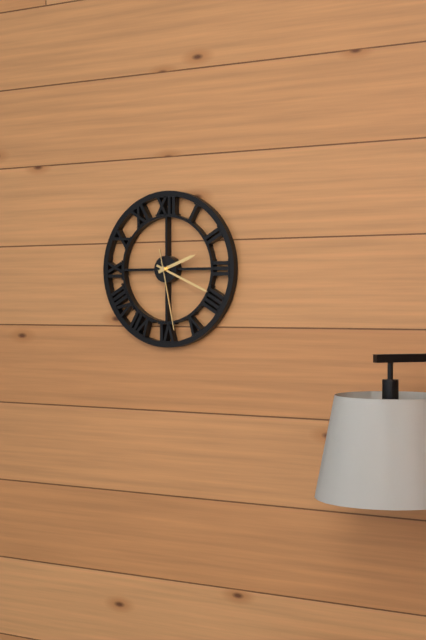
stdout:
{"hour": 2, "minute": 19, "second": 28}
